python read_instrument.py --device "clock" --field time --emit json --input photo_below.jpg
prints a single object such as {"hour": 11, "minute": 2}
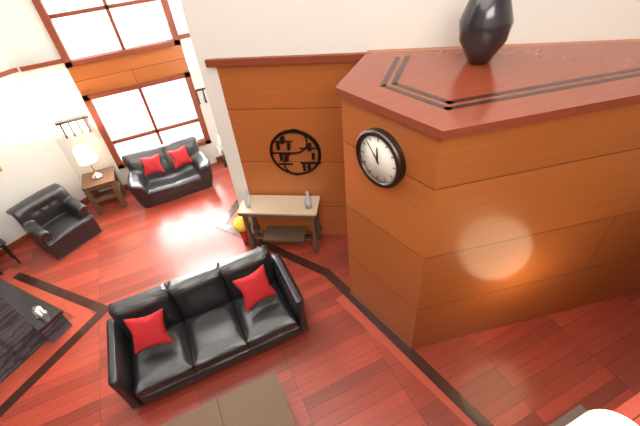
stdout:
{"hour": 11, "minute": 53}
